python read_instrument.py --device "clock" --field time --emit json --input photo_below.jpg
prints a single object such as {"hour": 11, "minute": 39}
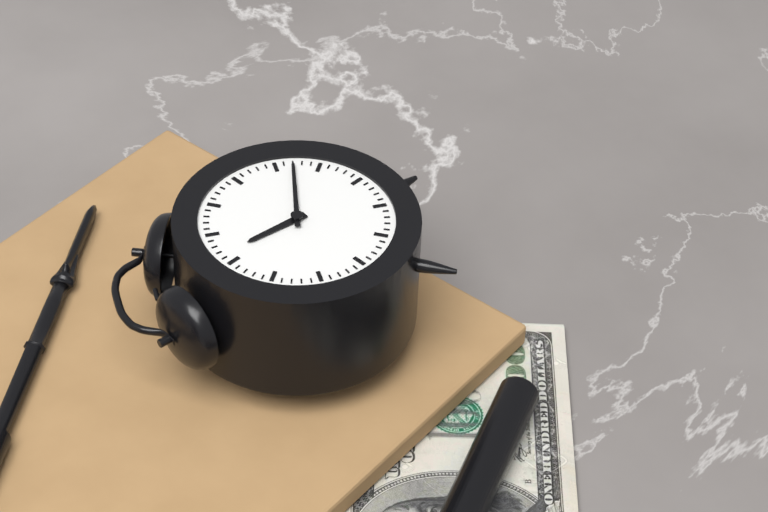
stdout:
{"hour": 11, "minute": 17}
